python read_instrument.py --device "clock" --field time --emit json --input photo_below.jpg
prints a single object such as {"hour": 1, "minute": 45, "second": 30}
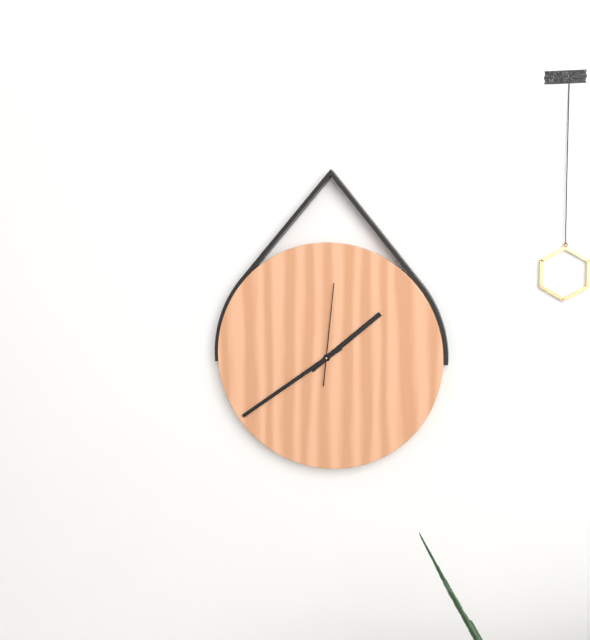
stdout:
{"hour": 1, "minute": 39, "second": 1}
